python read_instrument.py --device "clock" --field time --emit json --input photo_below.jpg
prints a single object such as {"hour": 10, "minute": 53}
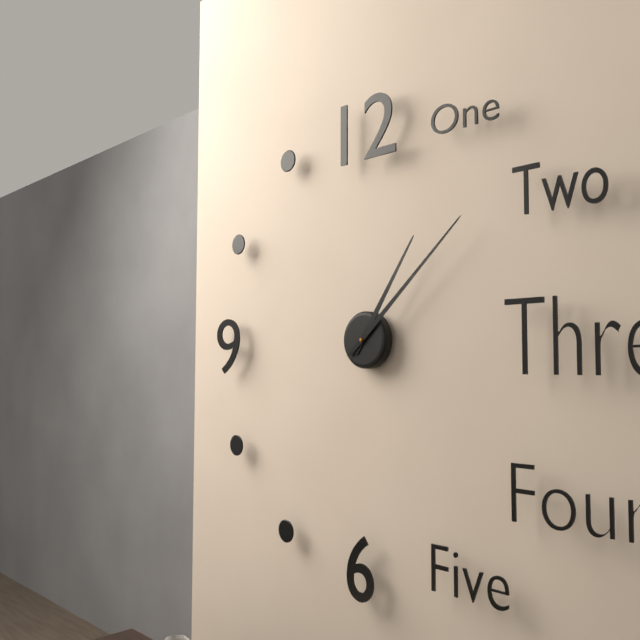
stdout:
{"hour": 1, "minute": 8}
